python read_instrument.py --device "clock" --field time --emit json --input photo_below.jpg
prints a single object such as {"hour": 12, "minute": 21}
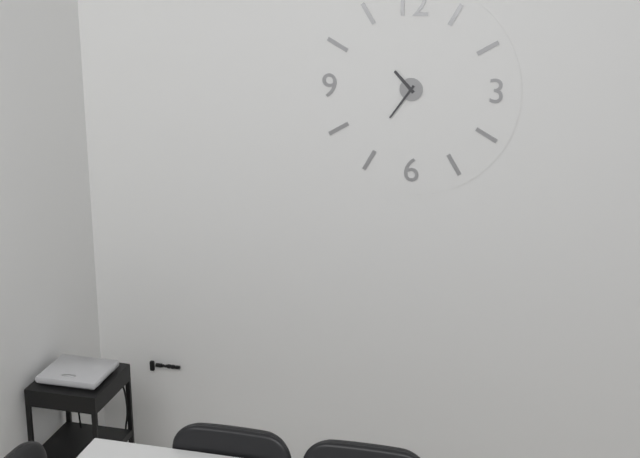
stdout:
{"hour": 10, "minute": 36}
